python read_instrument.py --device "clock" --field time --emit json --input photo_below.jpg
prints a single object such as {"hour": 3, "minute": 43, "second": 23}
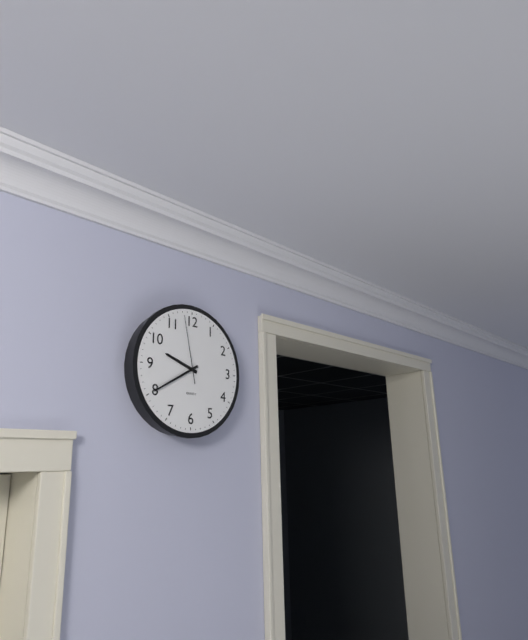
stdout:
{"hour": 9, "minute": 40, "second": 58}
